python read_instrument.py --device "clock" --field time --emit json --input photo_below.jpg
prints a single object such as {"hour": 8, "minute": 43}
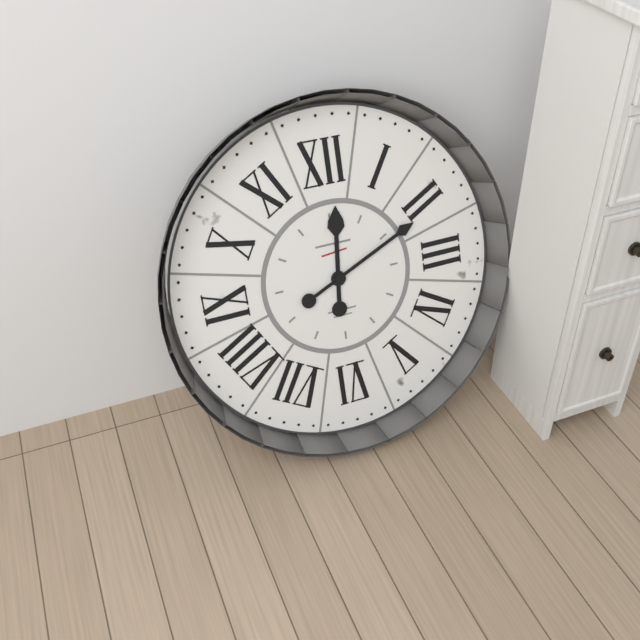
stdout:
{"hour": 12, "minute": 11}
